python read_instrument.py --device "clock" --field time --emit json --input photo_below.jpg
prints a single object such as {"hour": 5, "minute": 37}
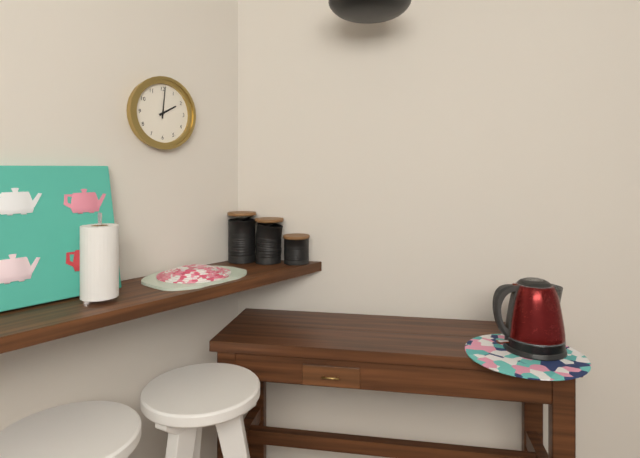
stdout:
{"hour": 2, "minute": 1}
